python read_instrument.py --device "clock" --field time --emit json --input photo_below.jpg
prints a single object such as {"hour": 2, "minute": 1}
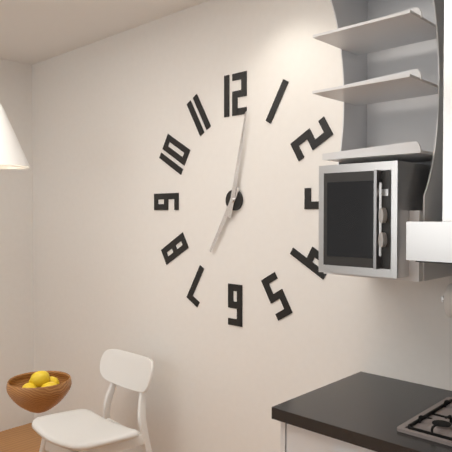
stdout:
{"hour": 7, "minute": 2}
